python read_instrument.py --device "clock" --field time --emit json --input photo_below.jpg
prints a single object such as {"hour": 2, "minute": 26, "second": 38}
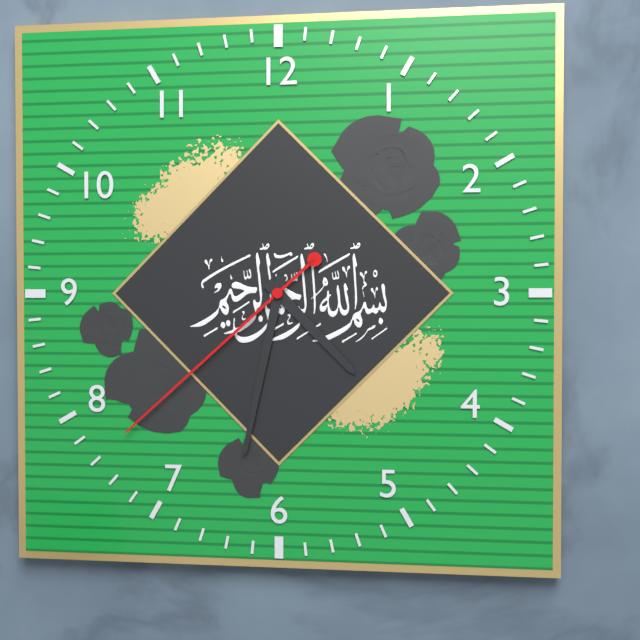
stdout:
{"hour": 4, "minute": 32, "second": 38}
